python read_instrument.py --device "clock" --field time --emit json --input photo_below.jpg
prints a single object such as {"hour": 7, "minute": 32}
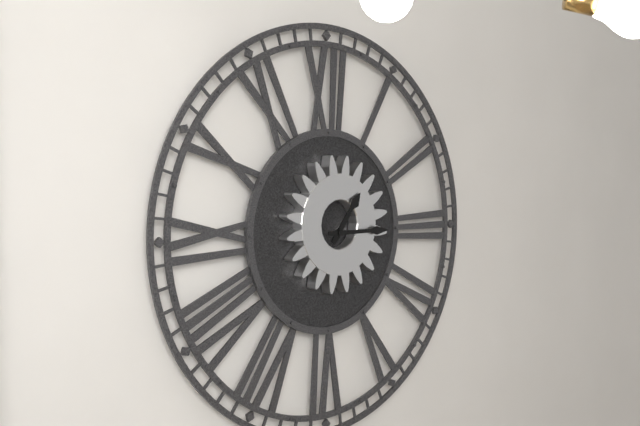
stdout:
{"hour": 1, "minute": 15}
